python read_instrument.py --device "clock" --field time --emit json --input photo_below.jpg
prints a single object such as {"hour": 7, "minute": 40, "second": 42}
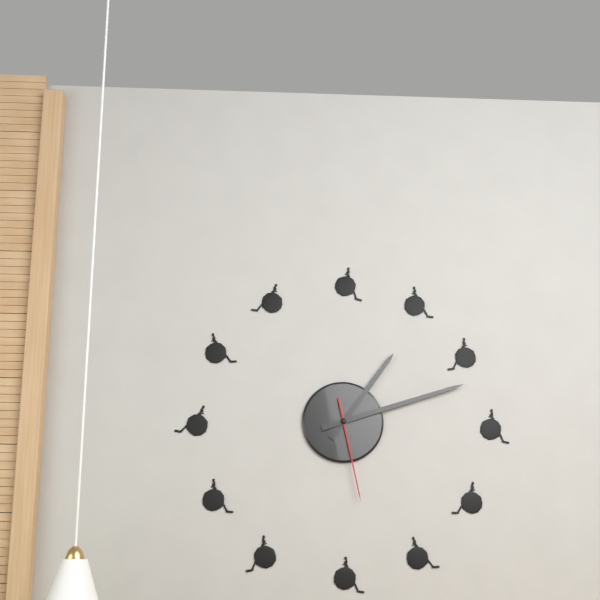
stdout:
{"hour": 1, "minute": 12, "second": 28}
